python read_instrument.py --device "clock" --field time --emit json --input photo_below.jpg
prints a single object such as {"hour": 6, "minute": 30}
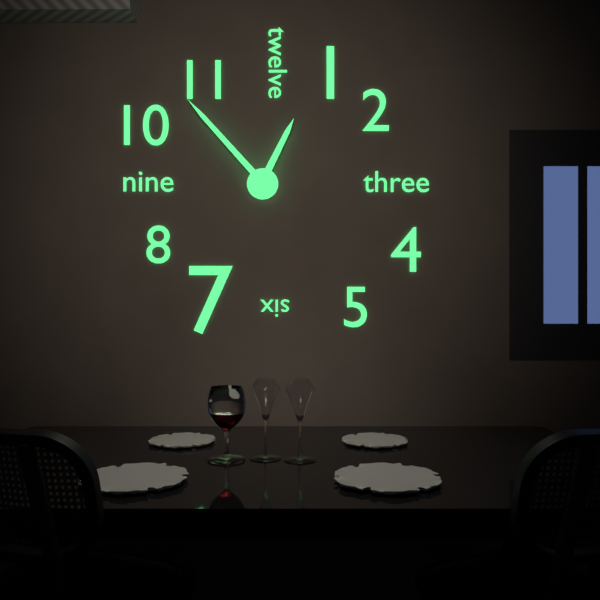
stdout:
{"hour": 12, "minute": 53}
